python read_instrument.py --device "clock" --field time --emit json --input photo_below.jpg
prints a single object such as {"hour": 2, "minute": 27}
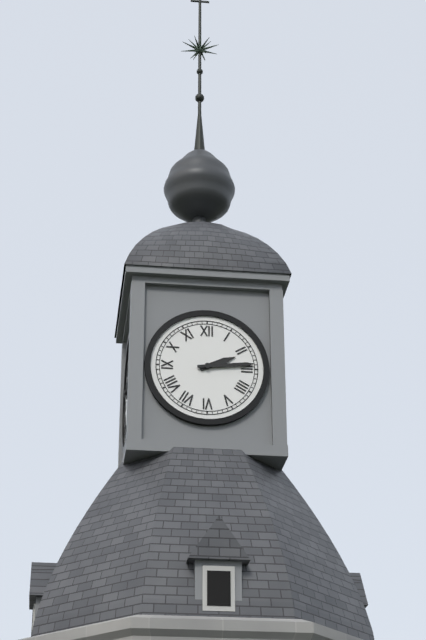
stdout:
{"hour": 2, "minute": 14}
